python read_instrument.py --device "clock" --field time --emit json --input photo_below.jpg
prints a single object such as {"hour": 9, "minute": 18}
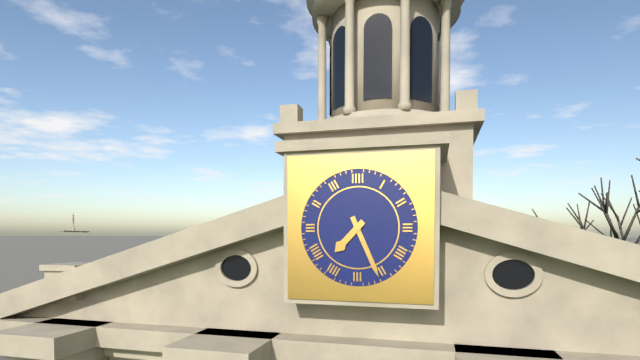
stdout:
{"hour": 7, "minute": 26}
